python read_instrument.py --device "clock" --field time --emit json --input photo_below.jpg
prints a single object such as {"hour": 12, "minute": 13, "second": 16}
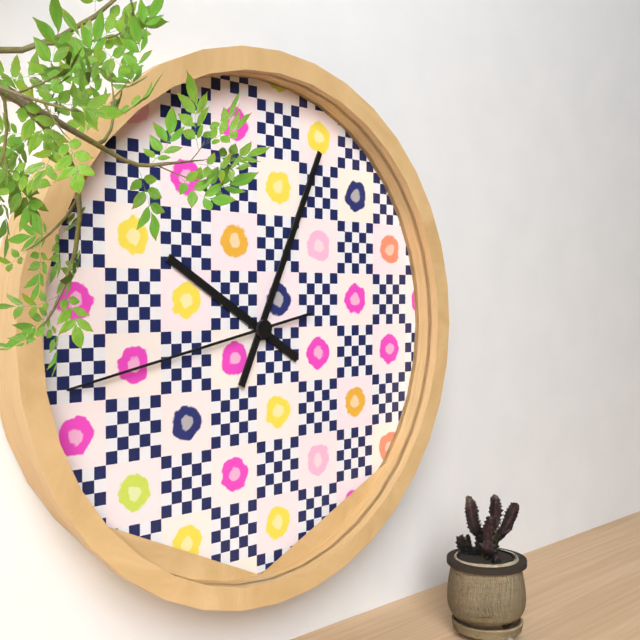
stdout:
{"hour": 10, "minute": 4, "second": 43}
